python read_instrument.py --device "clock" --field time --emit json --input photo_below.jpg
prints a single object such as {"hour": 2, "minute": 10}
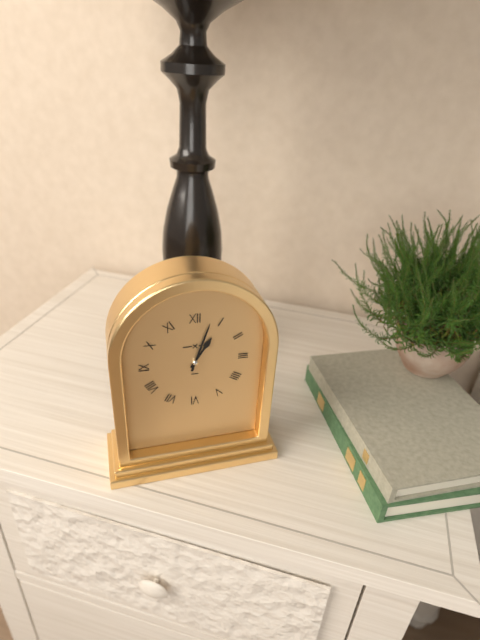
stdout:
{"hour": 1, "minute": 3}
